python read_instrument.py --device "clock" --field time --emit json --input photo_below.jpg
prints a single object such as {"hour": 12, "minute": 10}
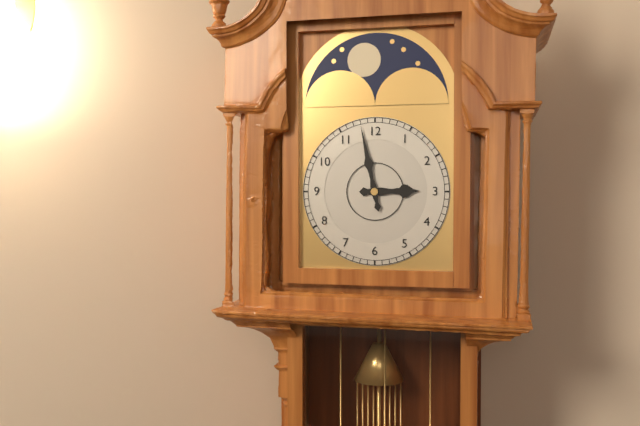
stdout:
{"hour": 2, "minute": 58}
